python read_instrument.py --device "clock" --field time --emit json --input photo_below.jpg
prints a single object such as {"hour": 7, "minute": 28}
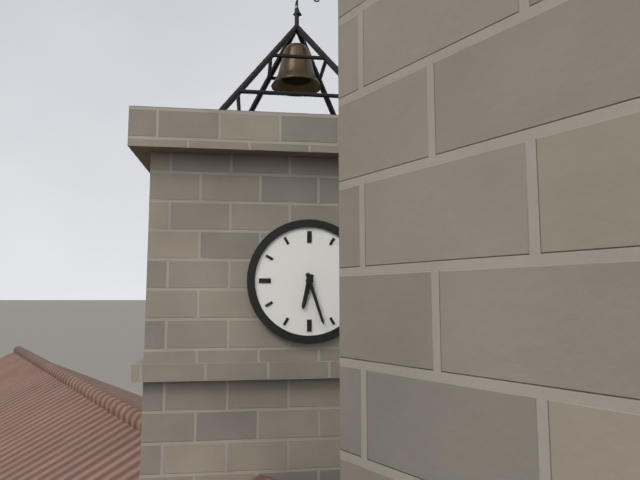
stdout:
{"hour": 6, "minute": 27}
